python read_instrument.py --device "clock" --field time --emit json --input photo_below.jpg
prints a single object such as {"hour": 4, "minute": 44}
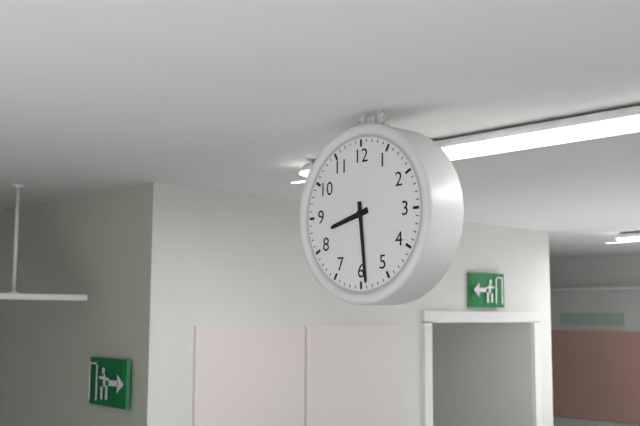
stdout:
{"hour": 8, "minute": 29}
